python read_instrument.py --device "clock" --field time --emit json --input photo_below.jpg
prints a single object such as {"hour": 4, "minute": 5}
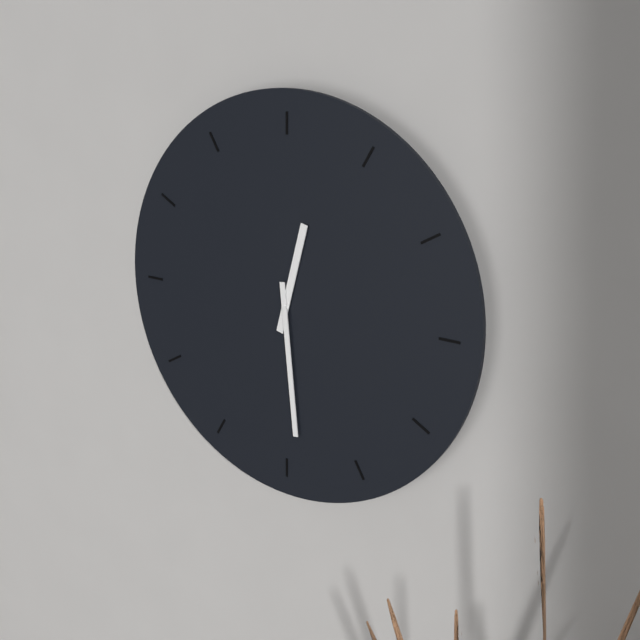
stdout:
{"hour": 12, "minute": 29}
